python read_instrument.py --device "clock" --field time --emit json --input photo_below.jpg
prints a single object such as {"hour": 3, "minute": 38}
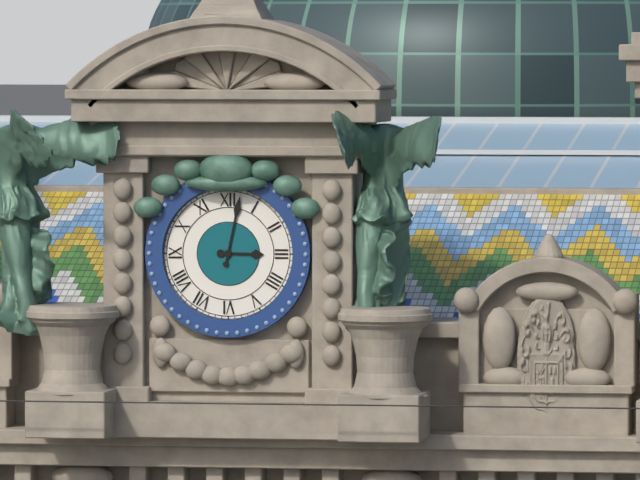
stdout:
{"hour": 3, "minute": 2}
